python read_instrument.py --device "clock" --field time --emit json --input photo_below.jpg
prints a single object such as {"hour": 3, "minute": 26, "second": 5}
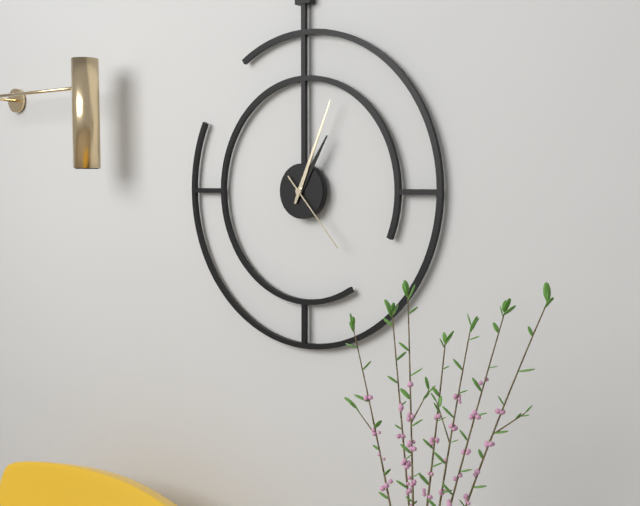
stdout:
{"hour": 1, "minute": 4, "second": 23}
